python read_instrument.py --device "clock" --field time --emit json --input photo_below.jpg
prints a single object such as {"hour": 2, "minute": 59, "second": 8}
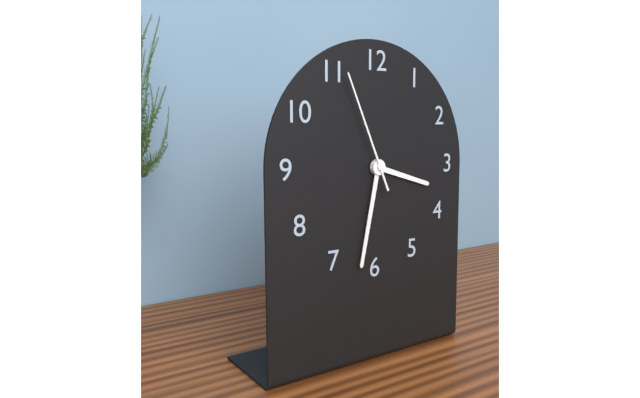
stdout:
{"hour": 3, "minute": 32, "second": 56}
